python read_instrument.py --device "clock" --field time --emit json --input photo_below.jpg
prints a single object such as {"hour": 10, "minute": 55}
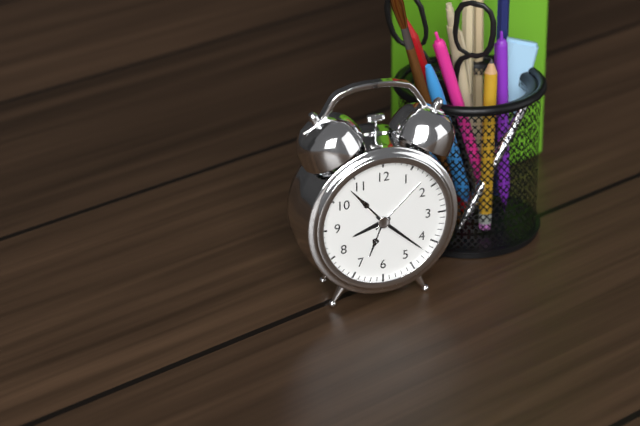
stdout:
{"hour": 8, "minute": 22}
